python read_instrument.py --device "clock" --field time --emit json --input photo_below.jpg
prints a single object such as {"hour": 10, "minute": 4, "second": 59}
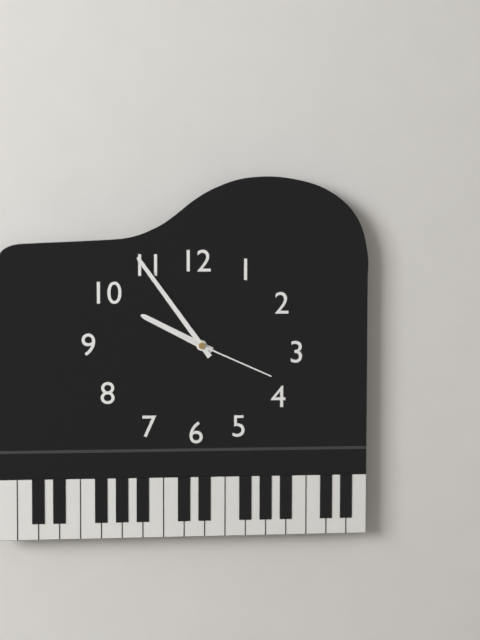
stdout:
{"hour": 9, "minute": 54, "second": 19}
